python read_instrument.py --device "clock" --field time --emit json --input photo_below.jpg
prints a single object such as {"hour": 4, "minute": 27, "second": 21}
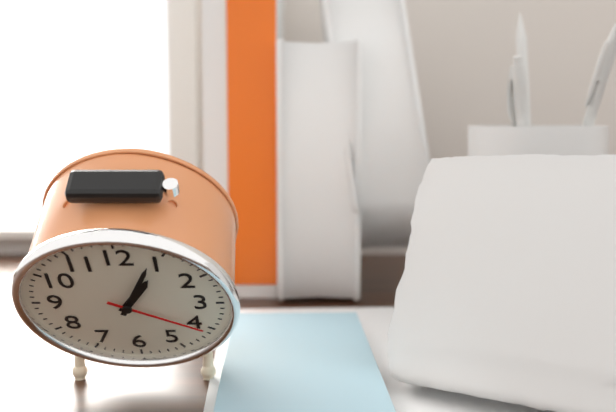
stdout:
{"hour": 1, "minute": 4, "second": 20}
